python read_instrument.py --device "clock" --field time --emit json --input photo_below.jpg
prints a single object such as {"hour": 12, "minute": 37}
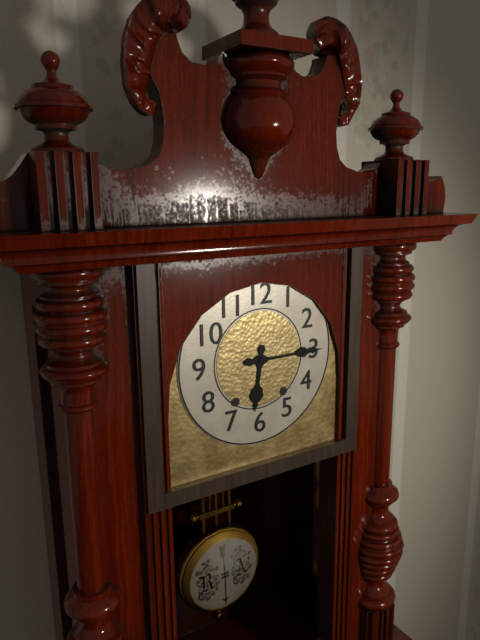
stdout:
{"hour": 6, "minute": 15}
